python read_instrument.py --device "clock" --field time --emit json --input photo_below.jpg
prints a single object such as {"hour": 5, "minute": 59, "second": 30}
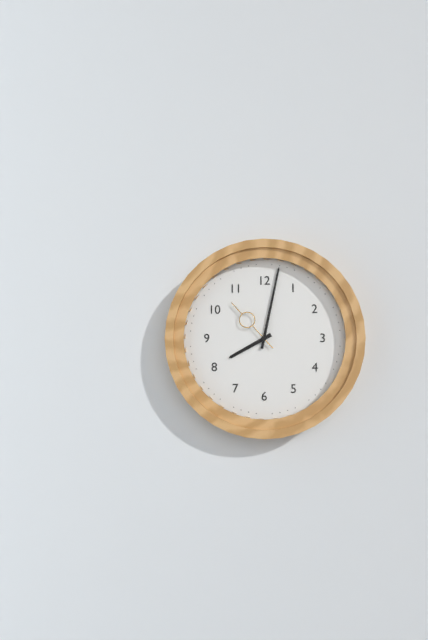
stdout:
{"hour": 8, "minute": 2, "second": 53}
